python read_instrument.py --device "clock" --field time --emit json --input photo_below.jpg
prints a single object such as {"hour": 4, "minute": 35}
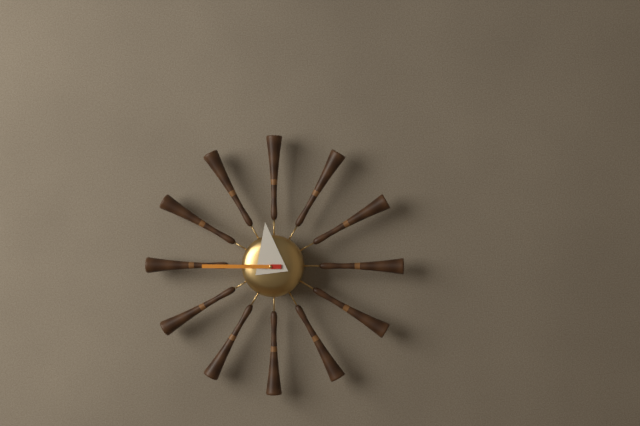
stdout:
{"hour": 11, "minute": 45}
